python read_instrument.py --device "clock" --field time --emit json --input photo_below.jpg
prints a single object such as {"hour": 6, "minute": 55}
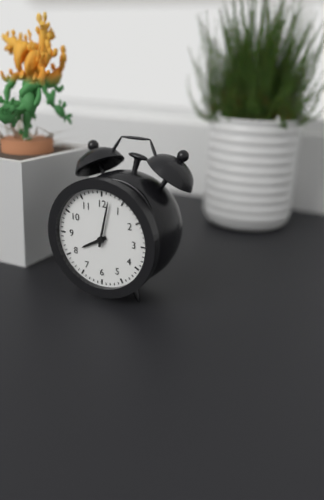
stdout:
{"hour": 8, "minute": 2}
